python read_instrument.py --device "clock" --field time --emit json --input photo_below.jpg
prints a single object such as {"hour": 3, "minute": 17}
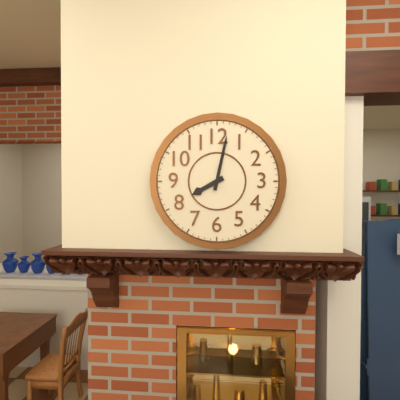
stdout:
{"hour": 8, "minute": 2}
